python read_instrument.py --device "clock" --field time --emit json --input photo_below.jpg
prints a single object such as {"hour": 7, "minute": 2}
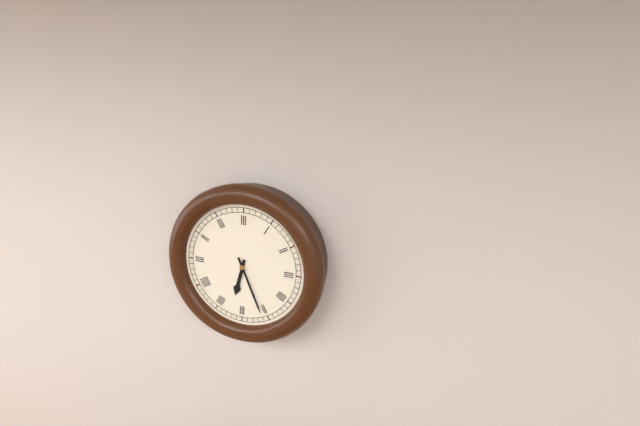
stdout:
{"hour": 6, "minute": 26}
